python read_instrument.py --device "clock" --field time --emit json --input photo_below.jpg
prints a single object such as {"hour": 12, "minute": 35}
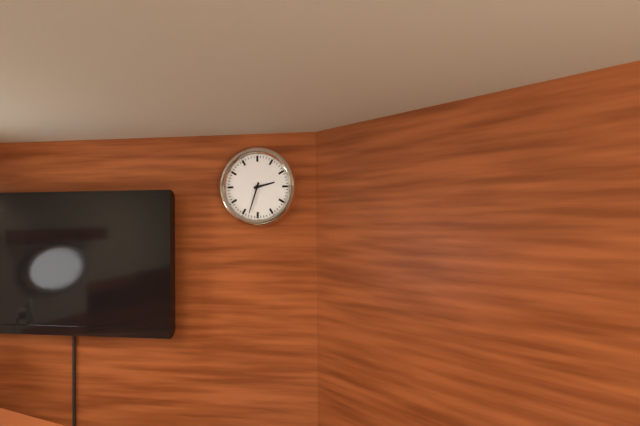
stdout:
{"hour": 2, "minute": 33}
